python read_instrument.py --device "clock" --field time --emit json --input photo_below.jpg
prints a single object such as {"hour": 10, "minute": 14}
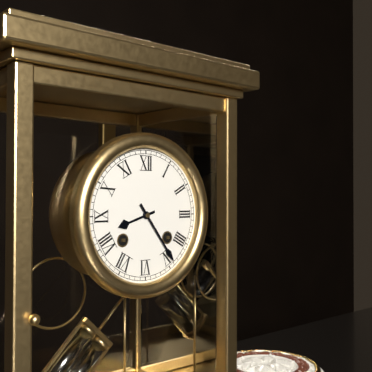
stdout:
{"hour": 8, "minute": 24}
